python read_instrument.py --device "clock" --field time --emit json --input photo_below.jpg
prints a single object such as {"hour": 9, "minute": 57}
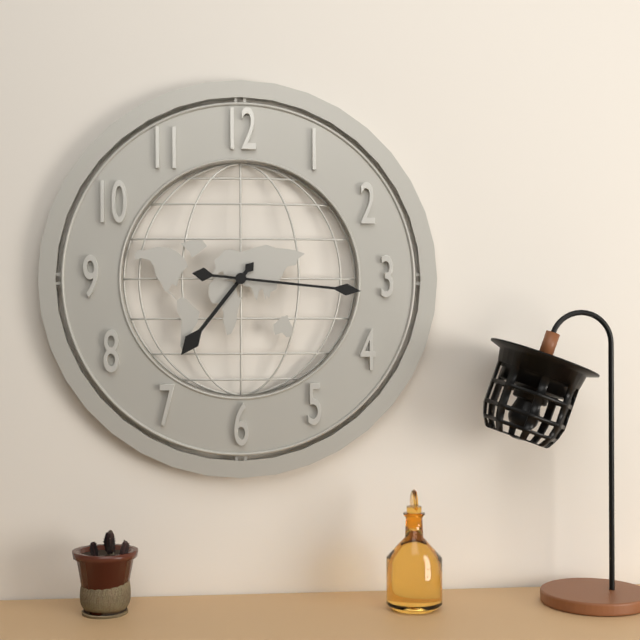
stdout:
{"hour": 7, "minute": 16}
